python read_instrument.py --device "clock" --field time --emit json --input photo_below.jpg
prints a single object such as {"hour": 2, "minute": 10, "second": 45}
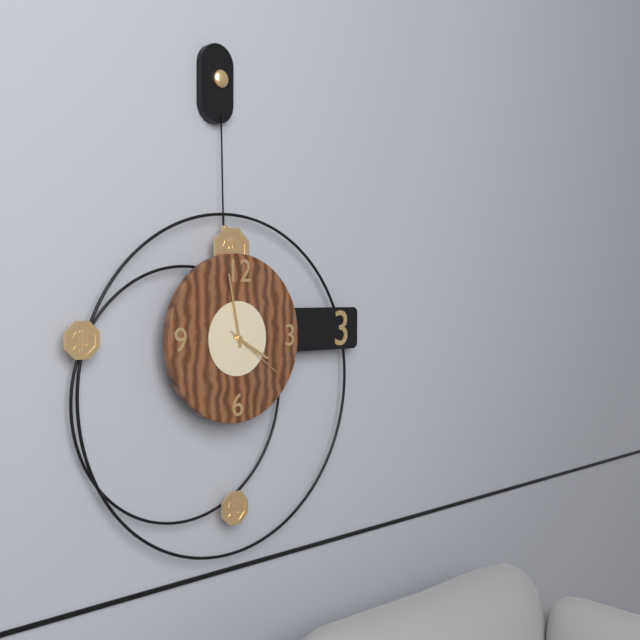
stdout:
{"hour": 3, "minute": 58, "second": 21}
